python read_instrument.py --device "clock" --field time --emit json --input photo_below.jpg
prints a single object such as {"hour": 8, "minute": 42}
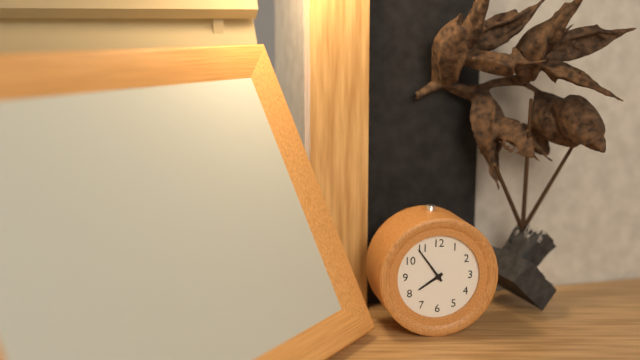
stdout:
{"hour": 7, "minute": 54}
